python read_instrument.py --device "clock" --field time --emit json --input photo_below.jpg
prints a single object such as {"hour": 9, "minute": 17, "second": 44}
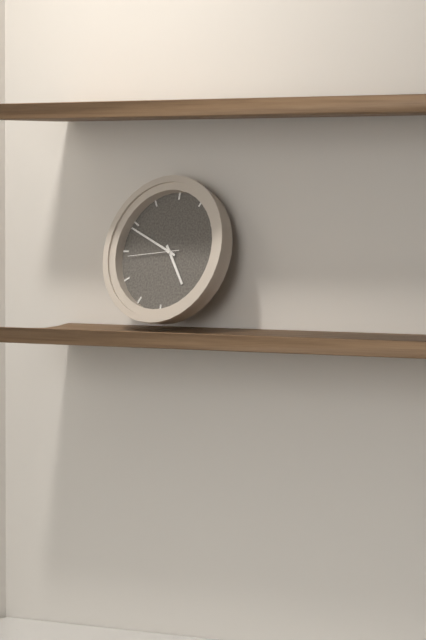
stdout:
{"hour": 4, "minute": 49, "second": 44}
